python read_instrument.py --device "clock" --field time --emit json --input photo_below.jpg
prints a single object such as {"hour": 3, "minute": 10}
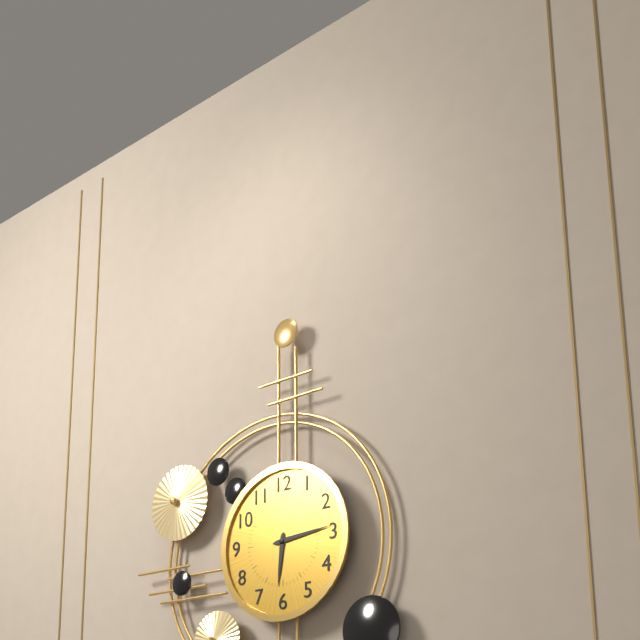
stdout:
{"hour": 6, "minute": 14}
